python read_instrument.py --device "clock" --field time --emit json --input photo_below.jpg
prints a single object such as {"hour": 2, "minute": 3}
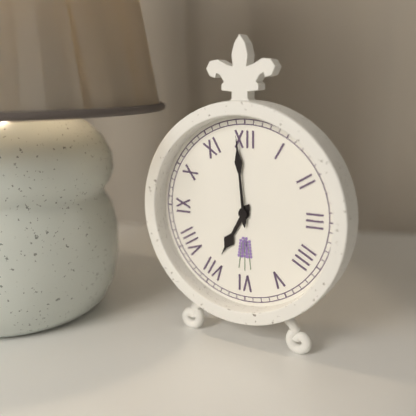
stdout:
{"hour": 6, "minute": 59}
